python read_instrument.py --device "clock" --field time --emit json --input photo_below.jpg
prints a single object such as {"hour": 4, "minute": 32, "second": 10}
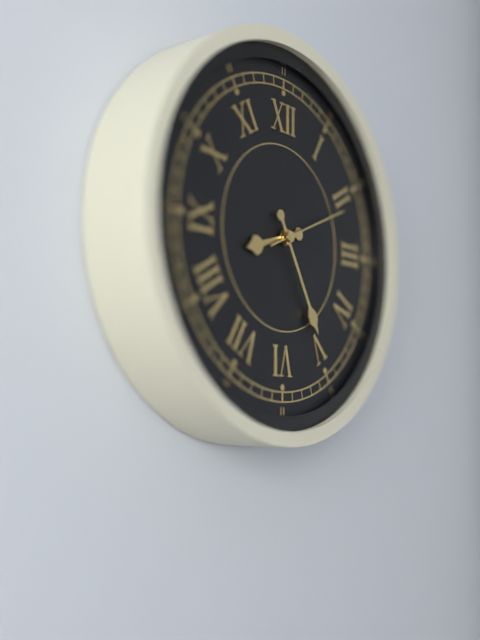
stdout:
{"hour": 8, "minute": 25, "second": 11}
